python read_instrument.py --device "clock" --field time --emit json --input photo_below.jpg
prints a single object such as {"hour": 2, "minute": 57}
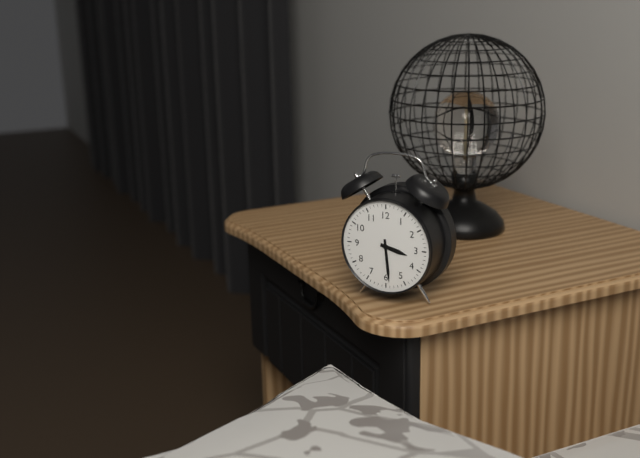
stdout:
{"hour": 3, "minute": 29}
